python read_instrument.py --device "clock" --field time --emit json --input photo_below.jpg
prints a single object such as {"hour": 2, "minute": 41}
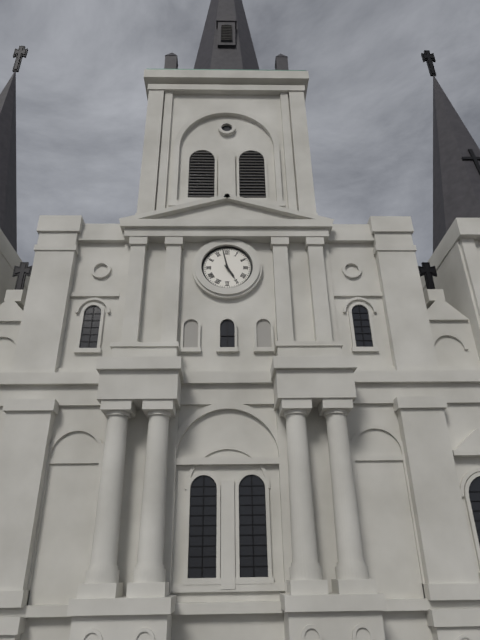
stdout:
{"hour": 4, "minute": 58}
